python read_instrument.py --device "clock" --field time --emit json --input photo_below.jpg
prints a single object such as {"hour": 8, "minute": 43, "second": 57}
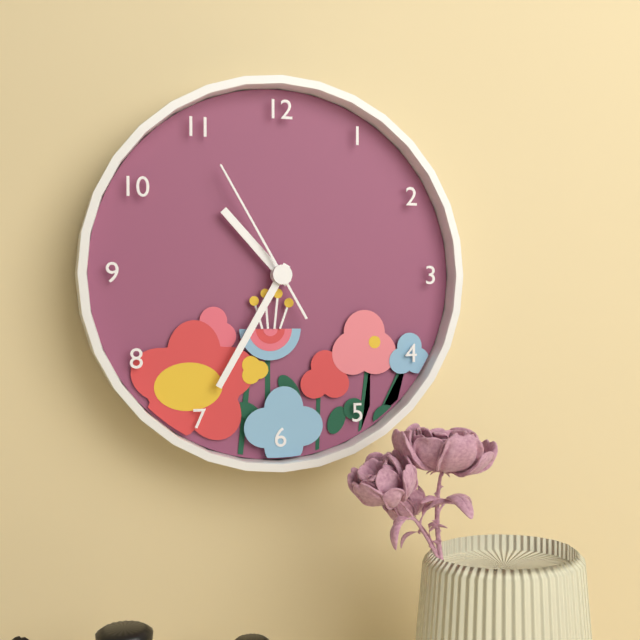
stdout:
{"hour": 10, "minute": 35, "second": 55}
